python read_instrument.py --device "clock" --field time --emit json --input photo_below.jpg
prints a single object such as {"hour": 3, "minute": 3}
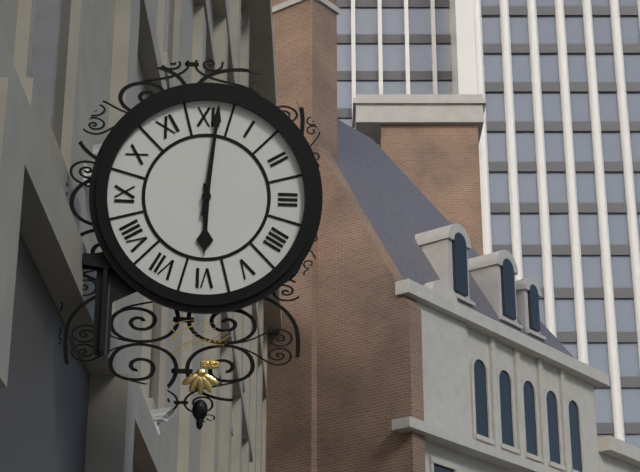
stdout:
{"hour": 6, "minute": 1}
